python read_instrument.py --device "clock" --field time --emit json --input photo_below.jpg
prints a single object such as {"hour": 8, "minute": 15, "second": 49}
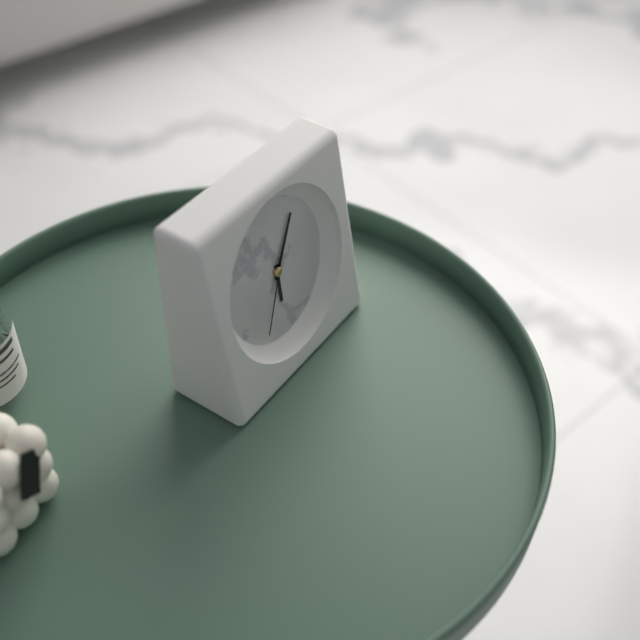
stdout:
{"hour": 6, "minute": 6, "second": 35}
